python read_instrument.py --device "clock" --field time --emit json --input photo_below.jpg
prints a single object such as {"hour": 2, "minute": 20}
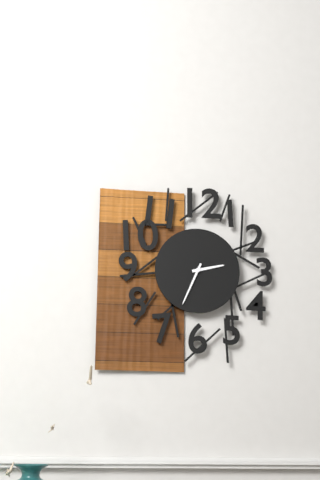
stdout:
{"hour": 2, "minute": 34}
